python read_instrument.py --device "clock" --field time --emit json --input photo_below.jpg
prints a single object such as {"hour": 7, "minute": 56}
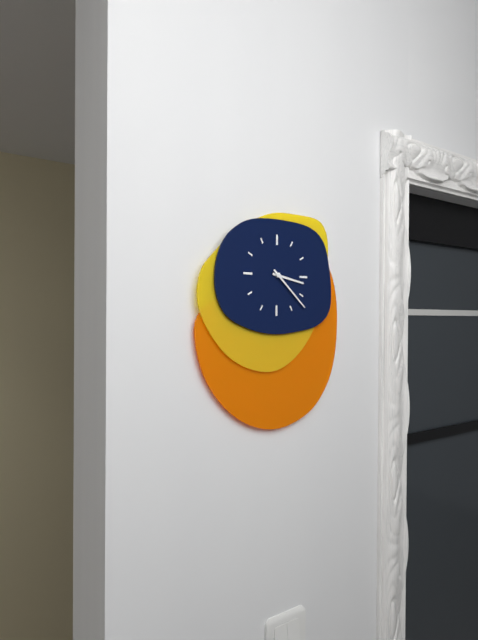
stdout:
{"hour": 3, "minute": 22}
